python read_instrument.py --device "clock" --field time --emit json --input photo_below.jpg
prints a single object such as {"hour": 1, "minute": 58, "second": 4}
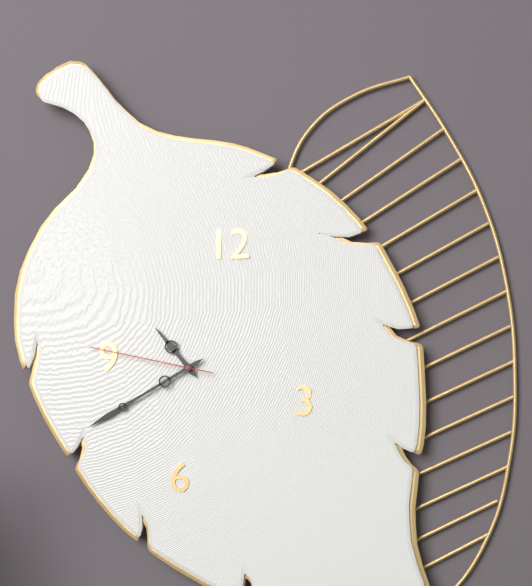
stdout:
{"hour": 10, "minute": 40, "second": 47}
